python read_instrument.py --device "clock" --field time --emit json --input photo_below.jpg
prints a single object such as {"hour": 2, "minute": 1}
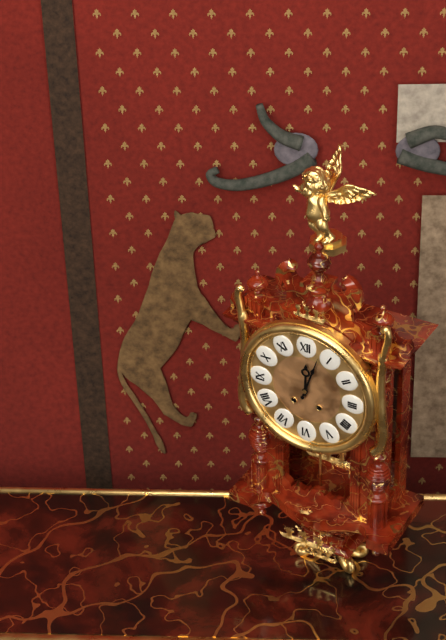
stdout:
{"hour": 12, "minute": 3}
